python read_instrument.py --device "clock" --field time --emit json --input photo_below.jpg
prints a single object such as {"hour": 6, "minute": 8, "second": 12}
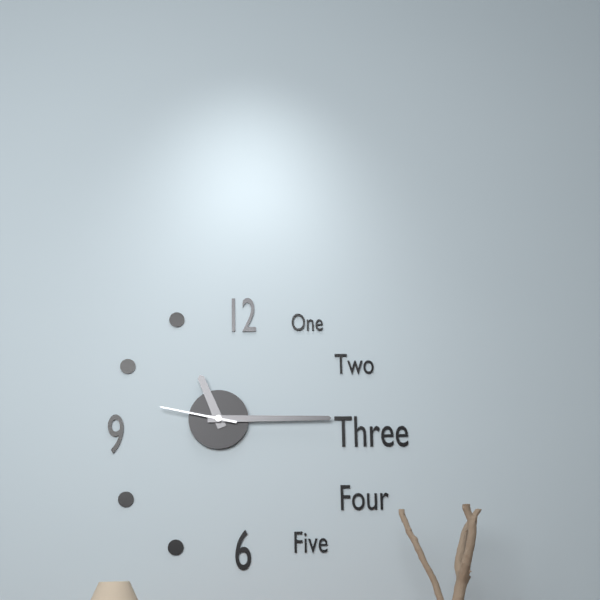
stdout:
{"hour": 11, "minute": 15, "second": 47}
